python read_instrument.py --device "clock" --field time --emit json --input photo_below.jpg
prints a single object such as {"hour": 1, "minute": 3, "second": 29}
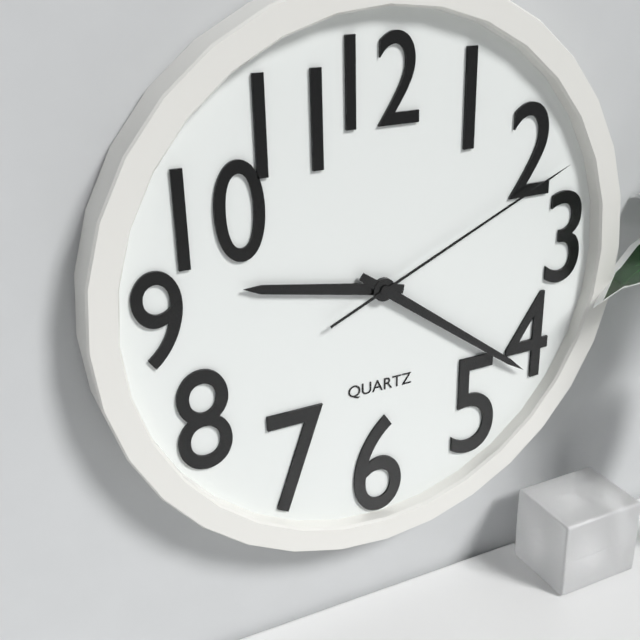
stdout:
{"hour": 9, "minute": 21, "second": 11}
